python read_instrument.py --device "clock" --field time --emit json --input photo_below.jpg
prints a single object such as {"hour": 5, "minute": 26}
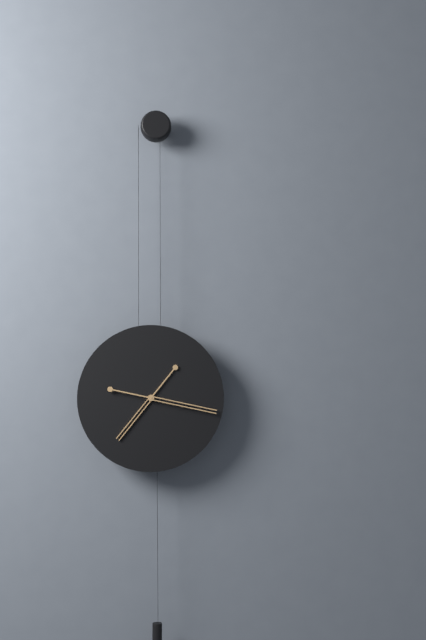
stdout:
{"hour": 7, "minute": 17}
